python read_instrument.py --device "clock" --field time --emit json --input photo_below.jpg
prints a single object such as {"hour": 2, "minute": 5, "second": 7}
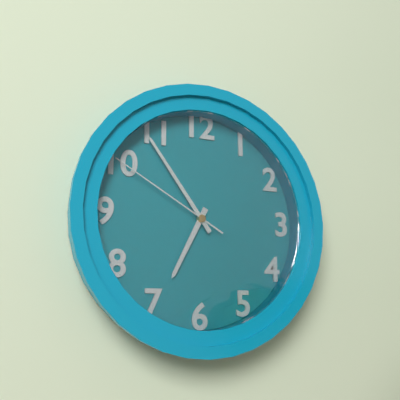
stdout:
{"hour": 6, "minute": 54, "second": 50}
